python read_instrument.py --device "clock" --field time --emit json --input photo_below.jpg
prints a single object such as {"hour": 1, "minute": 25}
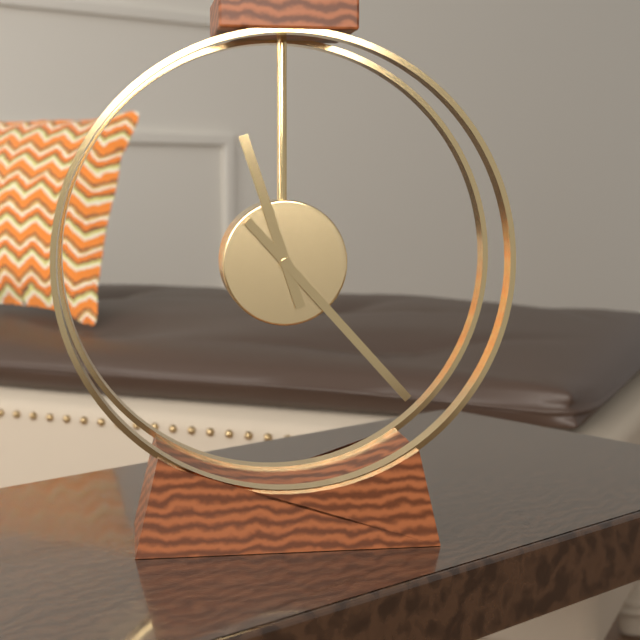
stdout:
{"hour": 11, "minute": 23}
